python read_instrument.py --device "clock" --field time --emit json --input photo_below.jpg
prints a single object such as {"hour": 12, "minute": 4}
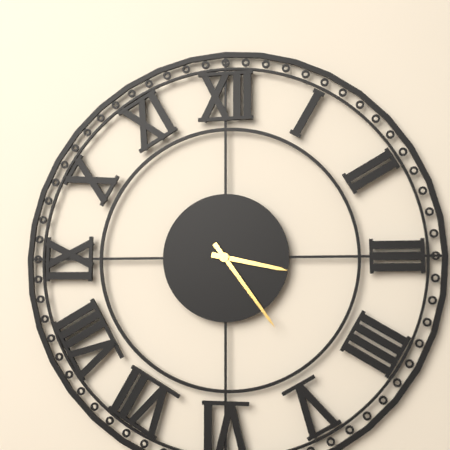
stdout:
{"hour": 3, "minute": 24}
